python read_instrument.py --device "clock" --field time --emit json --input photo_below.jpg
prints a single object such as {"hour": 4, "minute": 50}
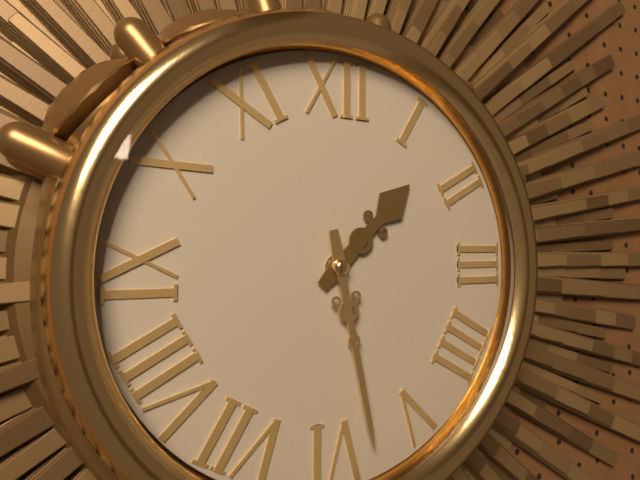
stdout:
{"hour": 1, "minute": 28}
